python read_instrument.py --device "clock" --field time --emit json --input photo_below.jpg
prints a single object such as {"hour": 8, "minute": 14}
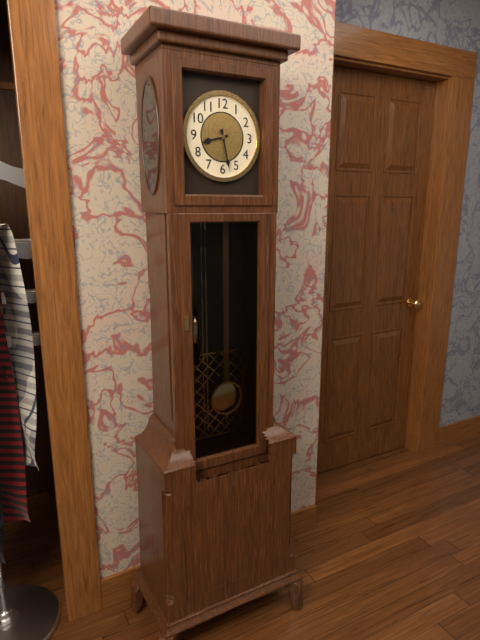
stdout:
{"hour": 8, "minute": 28}
